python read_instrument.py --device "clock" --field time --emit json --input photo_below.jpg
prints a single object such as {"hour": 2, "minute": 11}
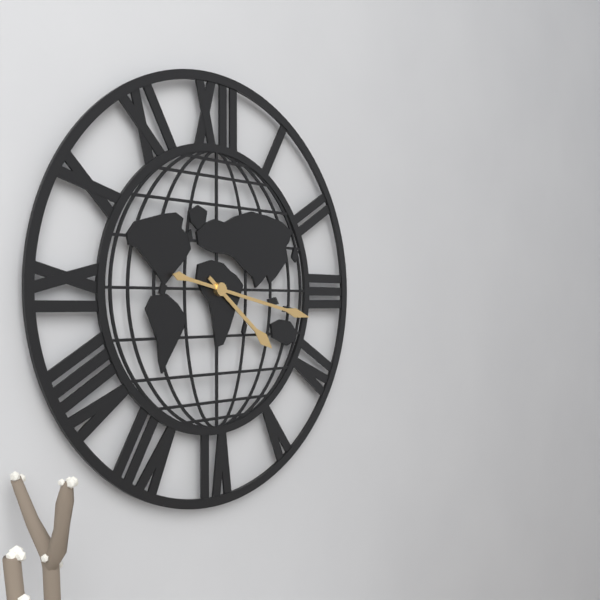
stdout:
{"hour": 4, "minute": 17}
